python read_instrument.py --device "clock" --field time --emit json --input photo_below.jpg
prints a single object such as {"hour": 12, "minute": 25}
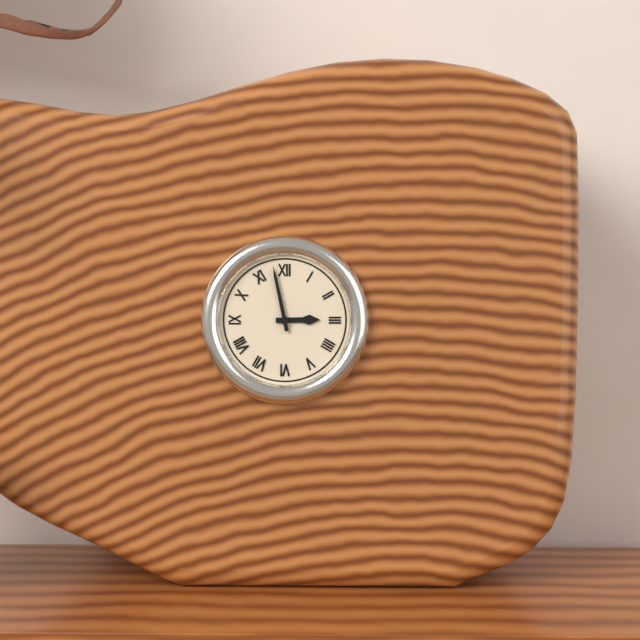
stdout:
{"hour": 2, "minute": 58}
